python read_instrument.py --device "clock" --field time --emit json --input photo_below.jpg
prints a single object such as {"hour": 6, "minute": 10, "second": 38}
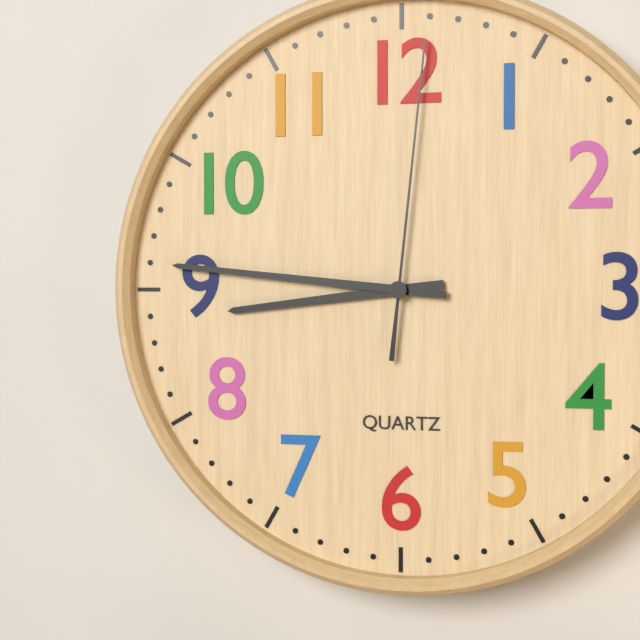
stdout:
{"hour": 8, "minute": 46, "second": 1}
